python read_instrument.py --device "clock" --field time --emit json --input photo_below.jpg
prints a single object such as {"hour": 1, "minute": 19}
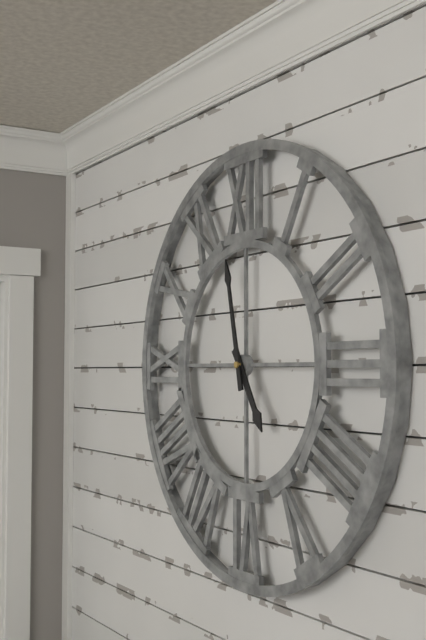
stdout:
{"hour": 4, "minute": 58}
